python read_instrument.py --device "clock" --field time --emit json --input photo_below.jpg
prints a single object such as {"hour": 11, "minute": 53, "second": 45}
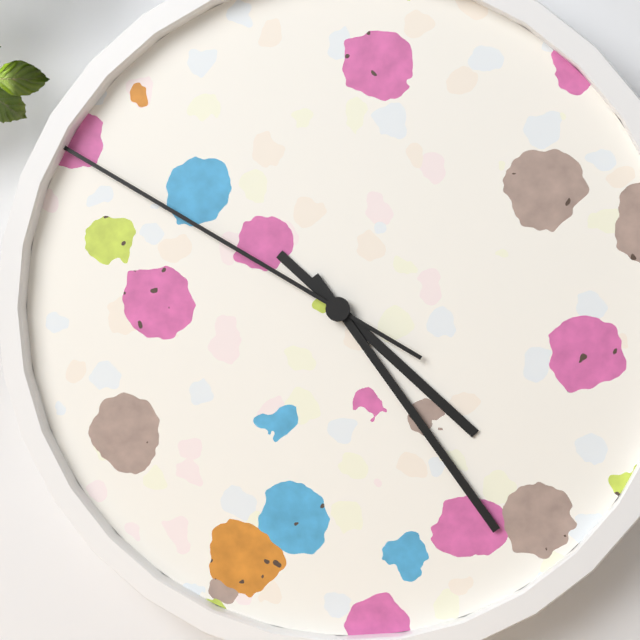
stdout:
{"hour": 4, "minute": 24, "second": 50}
